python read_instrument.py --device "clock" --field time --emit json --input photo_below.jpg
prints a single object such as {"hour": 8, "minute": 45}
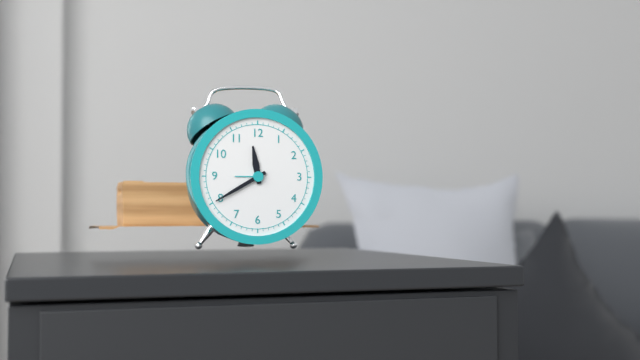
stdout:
{"hour": 11, "minute": 40}
